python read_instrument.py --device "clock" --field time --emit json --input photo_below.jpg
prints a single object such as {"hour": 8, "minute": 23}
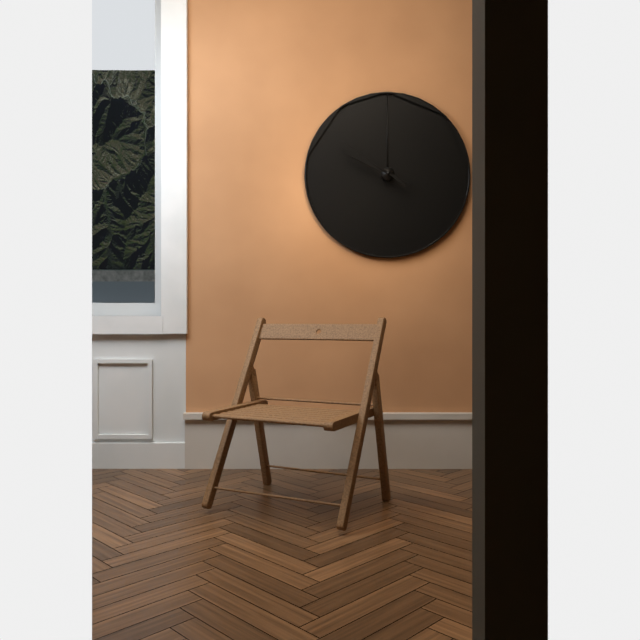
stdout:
{"hour": 9, "minute": 51}
